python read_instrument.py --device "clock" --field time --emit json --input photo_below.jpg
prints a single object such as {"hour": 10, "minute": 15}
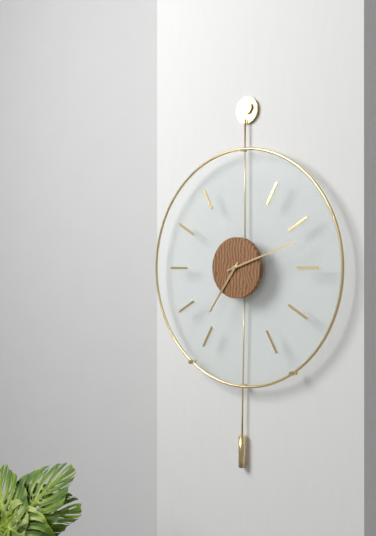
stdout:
{"hour": 7, "minute": 12}
